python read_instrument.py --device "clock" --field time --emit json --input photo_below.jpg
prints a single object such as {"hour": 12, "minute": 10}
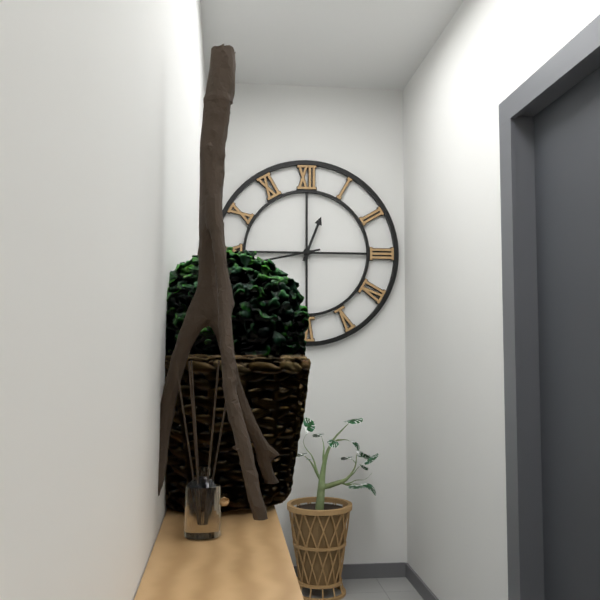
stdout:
{"hour": 12, "minute": 43}
